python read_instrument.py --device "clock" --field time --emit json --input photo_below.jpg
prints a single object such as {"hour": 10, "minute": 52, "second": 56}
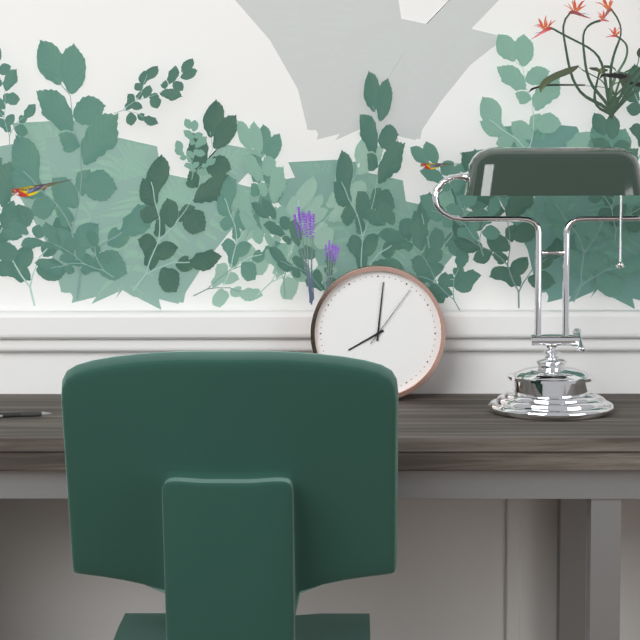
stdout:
{"hour": 8, "minute": 1, "second": 6}
